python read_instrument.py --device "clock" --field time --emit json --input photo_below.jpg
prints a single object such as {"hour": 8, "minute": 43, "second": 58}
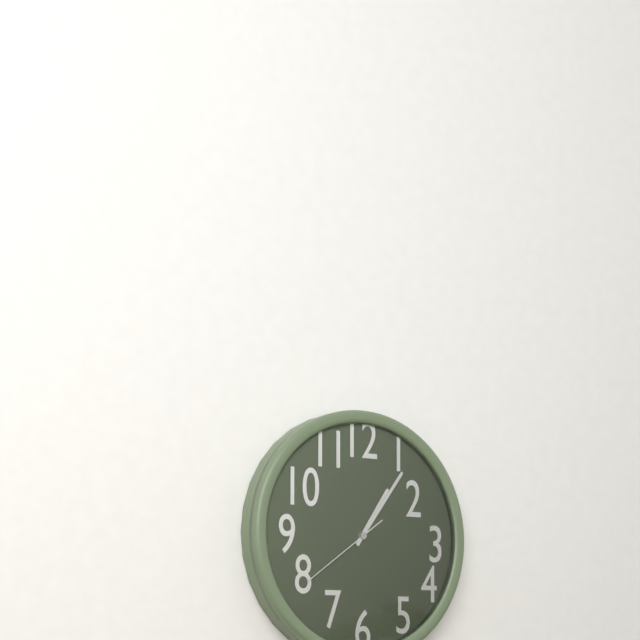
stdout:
{"hour": 1, "minute": 6, "second": 39}
